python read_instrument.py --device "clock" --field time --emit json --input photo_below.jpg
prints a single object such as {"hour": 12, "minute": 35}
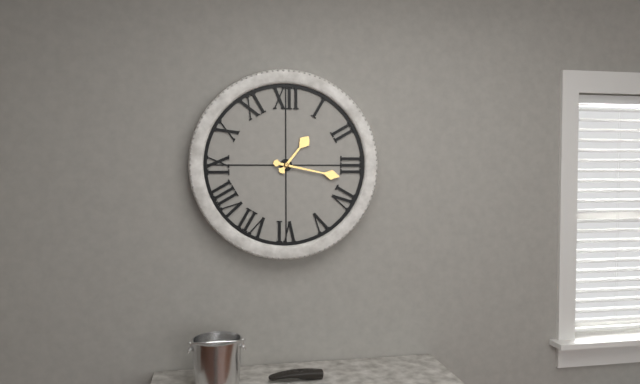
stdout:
{"hour": 1, "minute": 17}
